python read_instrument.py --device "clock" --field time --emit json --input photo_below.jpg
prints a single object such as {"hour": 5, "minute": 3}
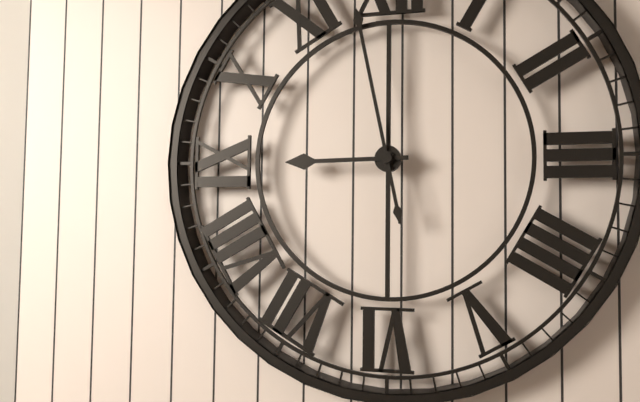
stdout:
{"hour": 8, "minute": 58}
